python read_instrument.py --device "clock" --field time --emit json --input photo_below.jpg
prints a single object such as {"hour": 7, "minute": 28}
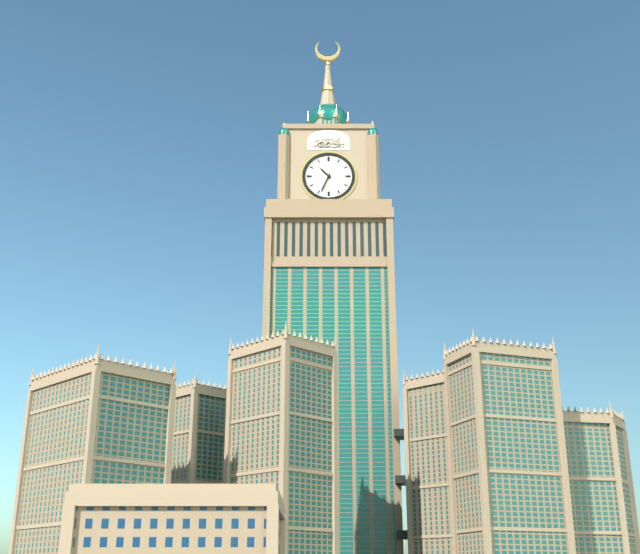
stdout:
{"hour": 10, "minute": 34}
